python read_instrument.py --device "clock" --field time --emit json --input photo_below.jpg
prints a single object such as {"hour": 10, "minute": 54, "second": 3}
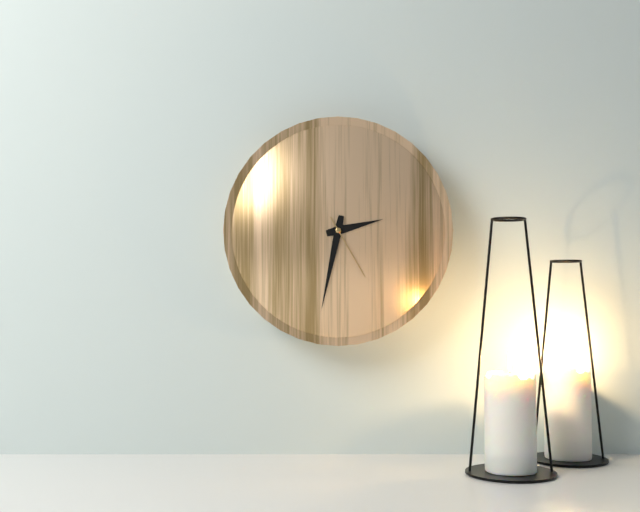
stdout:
{"hour": 2, "minute": 32, "second": 25}
